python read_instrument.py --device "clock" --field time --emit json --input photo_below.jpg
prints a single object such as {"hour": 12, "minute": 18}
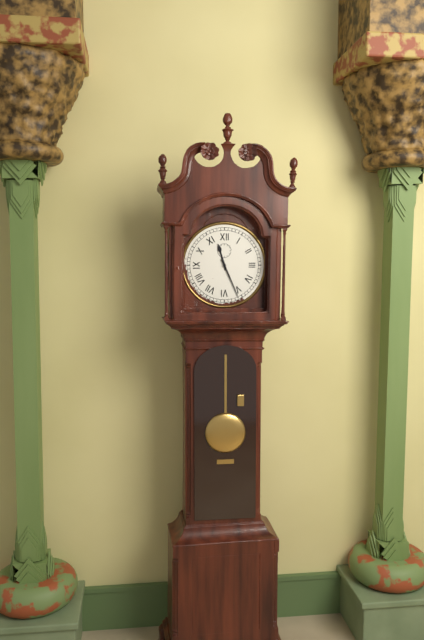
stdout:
{"hour": 11, "minute": 26}
